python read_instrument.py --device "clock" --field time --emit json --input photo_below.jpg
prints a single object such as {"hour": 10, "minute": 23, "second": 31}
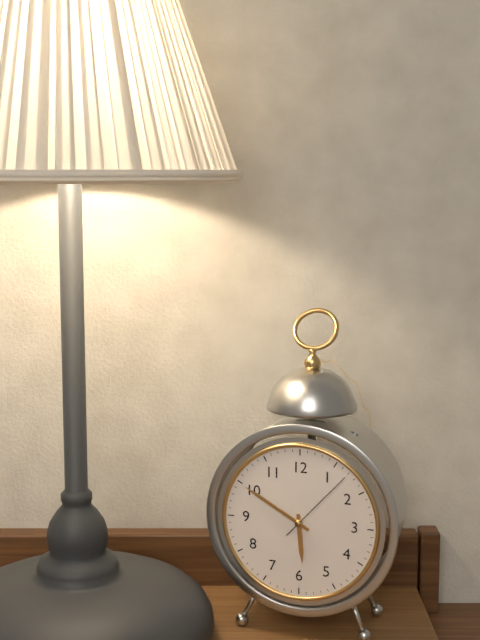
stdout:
{"hour": 5, "minute": 50, "second": 7}
